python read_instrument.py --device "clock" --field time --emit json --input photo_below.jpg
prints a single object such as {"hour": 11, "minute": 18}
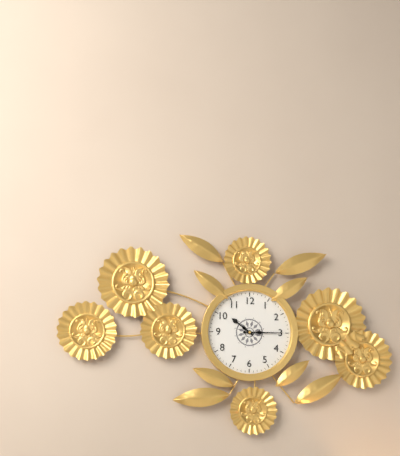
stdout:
{"hour": 10, "minute": 15}
